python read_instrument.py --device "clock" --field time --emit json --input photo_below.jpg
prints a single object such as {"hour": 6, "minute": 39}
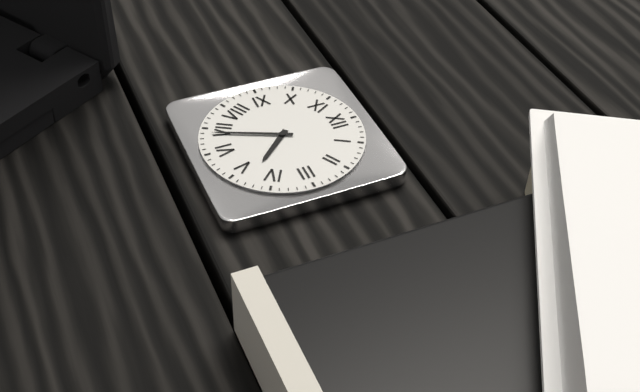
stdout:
{"hour": 4, "minute": 34}
